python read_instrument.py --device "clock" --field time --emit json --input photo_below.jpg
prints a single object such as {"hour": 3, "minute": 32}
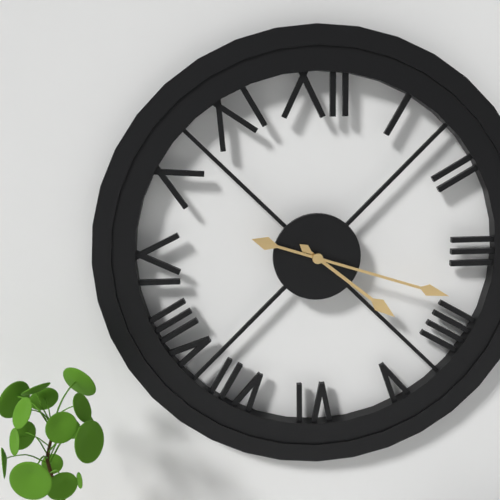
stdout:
{"hour": 4, "minute": 18}
